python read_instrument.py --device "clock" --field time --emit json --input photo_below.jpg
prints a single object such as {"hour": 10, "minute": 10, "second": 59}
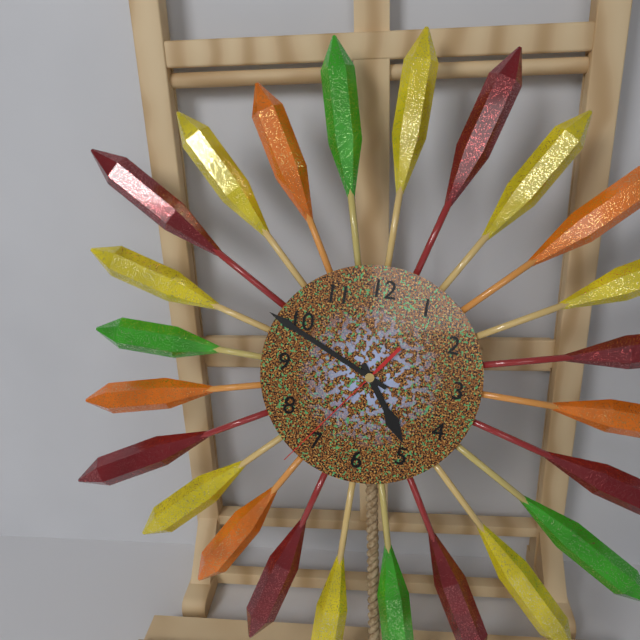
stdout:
{"hour": 4, "minute": 49, "second": 36}
